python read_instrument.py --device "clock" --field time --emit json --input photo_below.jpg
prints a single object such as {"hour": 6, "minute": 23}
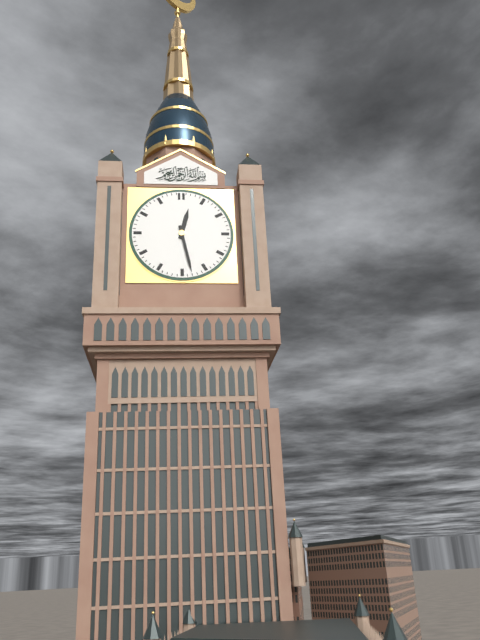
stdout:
{"hour": 12, "minute": 28}
